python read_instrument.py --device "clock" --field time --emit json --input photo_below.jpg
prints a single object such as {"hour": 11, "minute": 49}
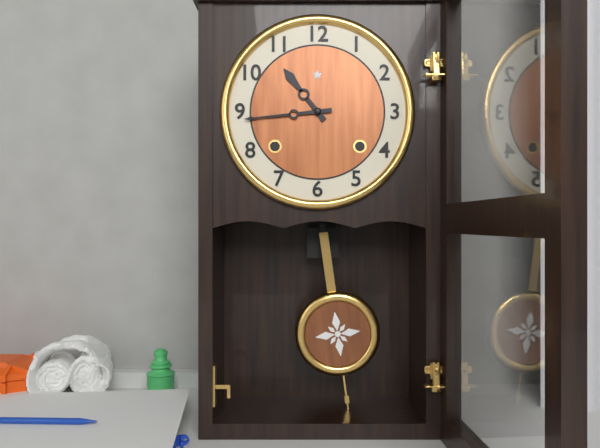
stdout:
{"hour": 10, "minute": 44}
